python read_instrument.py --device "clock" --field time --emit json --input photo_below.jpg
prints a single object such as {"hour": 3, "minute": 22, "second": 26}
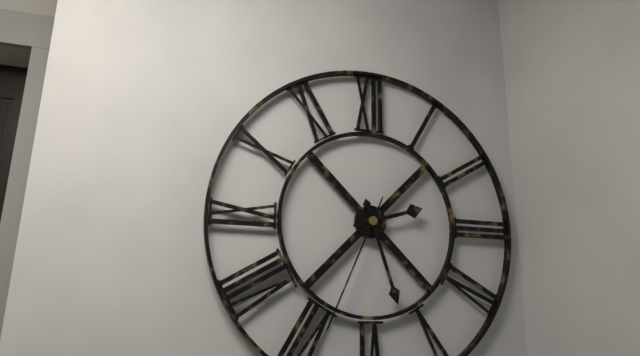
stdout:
{"hour": 2, "minute": 27, "second": 34}
